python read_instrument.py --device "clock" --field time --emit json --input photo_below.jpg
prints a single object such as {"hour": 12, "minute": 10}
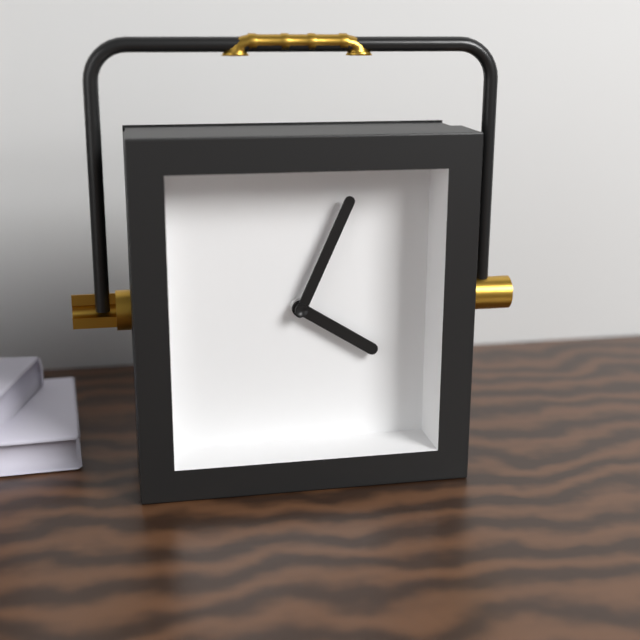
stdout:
{"hour": 4, "minute": 4}
